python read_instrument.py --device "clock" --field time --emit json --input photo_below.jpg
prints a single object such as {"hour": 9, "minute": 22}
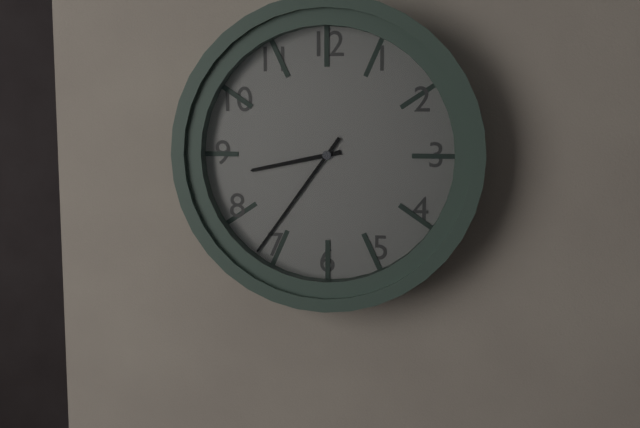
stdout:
{"hour": 8, "minute": 36}
